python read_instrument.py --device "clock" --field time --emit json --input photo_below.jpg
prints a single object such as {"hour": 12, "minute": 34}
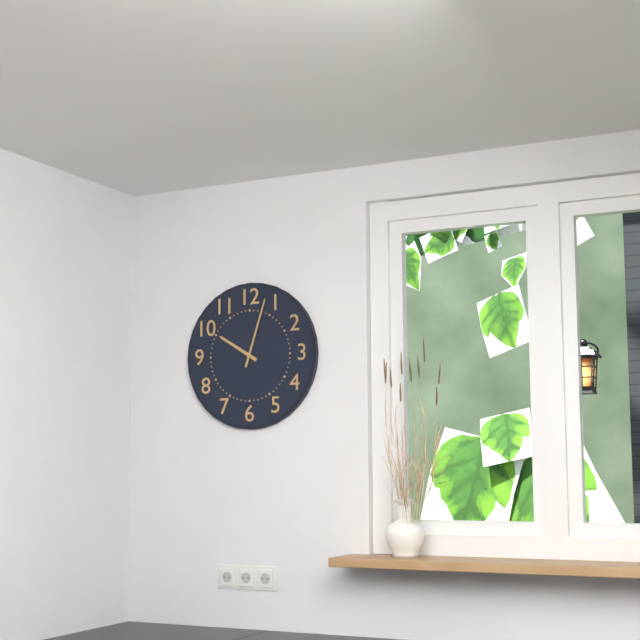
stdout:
{"hour": 10, "minute": 3}
